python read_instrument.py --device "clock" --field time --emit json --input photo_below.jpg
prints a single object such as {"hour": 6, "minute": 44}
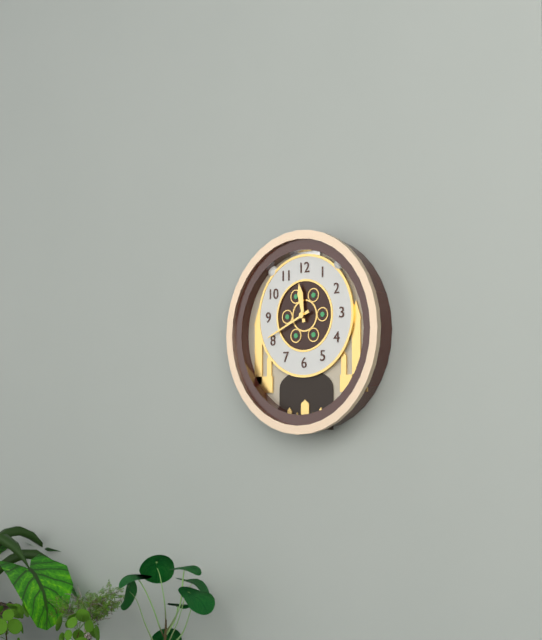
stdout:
{"hour": 11, "minute": 41}
